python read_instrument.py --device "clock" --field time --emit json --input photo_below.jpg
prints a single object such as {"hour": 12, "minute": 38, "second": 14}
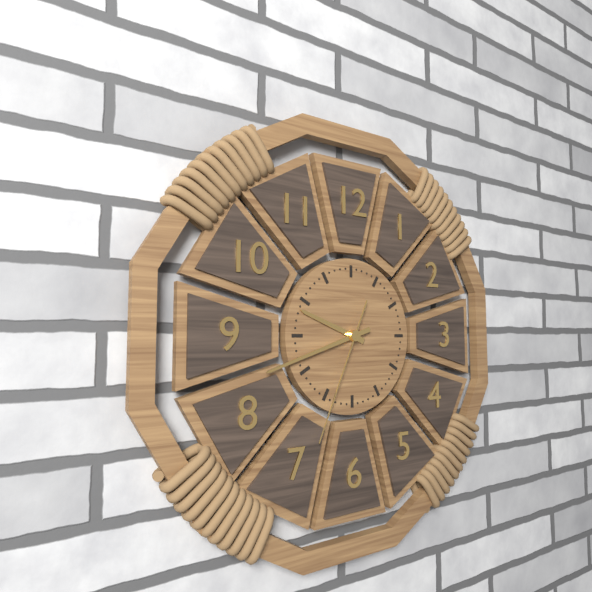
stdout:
{"hour": 9, "minute": 42, "second": 34}
